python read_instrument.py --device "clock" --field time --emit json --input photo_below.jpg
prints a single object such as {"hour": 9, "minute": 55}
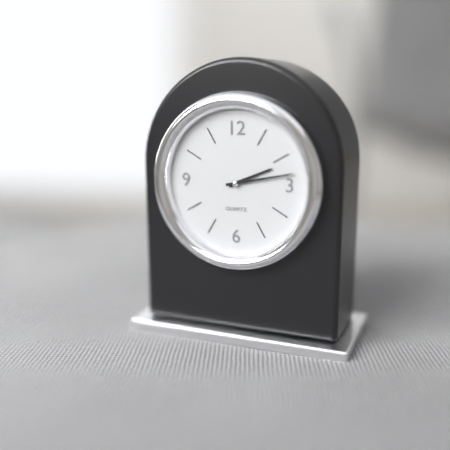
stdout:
{"hour": 2, "minute": 13}
